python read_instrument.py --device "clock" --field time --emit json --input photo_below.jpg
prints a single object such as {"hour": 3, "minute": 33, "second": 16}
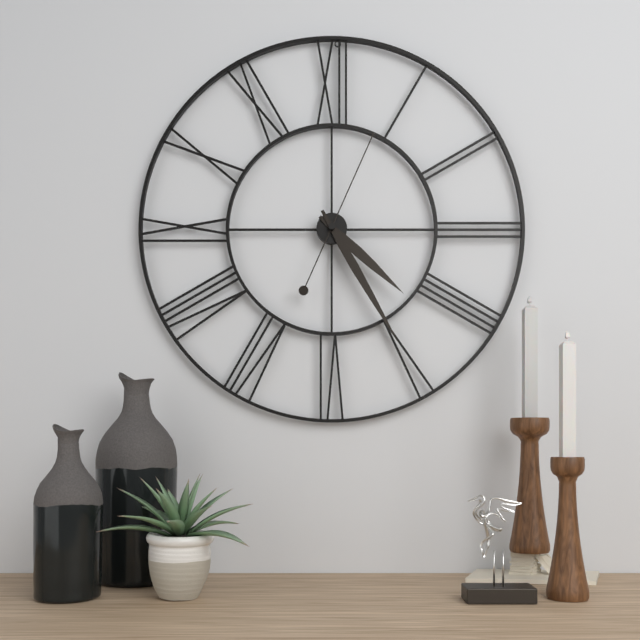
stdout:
{"hour": 4, "minute": 25, "second": 4}
